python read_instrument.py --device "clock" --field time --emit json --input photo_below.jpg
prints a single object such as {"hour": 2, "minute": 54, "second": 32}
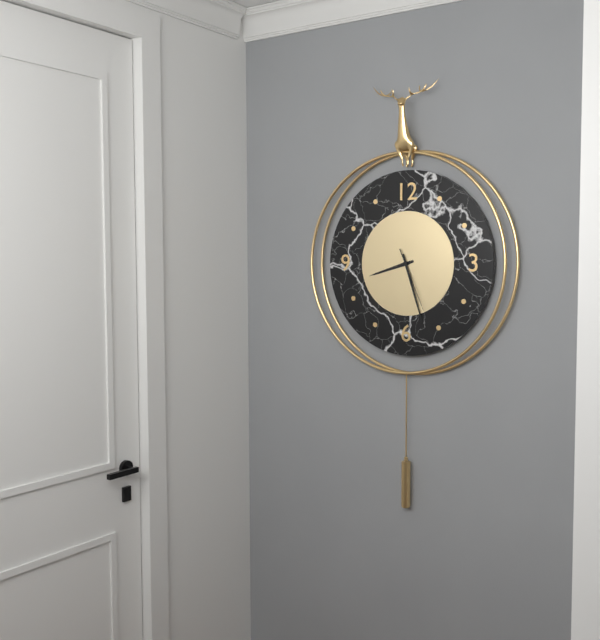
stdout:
{"hour": 8, "minute": 27, "second": 26}
